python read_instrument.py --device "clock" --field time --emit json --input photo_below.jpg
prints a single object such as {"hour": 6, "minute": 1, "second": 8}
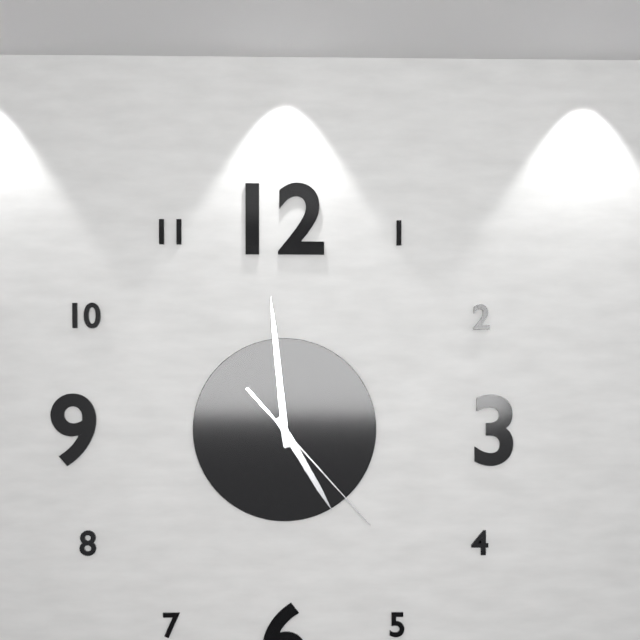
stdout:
{"hour": 4, "minute": 59, "second": 23}
